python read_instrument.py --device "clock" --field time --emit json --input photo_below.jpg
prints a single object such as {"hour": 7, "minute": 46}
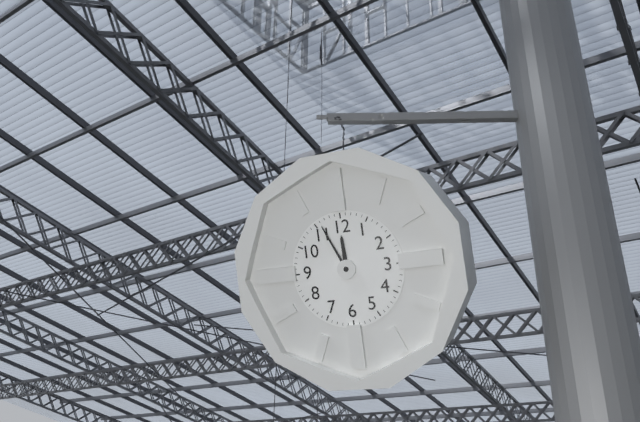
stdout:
{"hour": 11, "minute": 56}
